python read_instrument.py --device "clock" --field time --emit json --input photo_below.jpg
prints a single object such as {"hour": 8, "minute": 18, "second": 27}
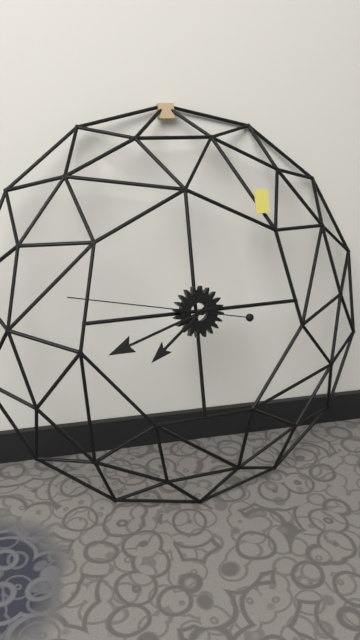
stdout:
{"hour": 7, "minute": 42, "second": 47}
